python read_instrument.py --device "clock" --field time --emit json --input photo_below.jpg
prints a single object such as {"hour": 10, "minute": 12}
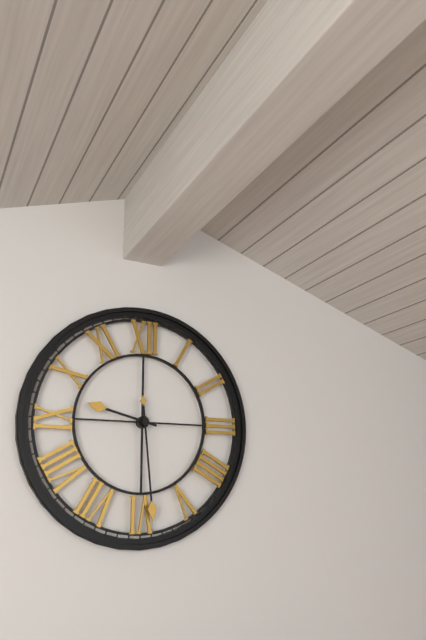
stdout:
{"hour": 9, "minute": 29}
